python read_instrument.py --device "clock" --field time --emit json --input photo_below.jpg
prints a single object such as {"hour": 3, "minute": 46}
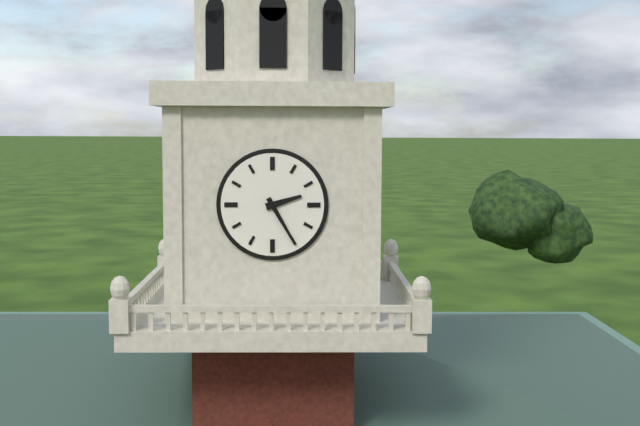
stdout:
{"hour": 2, "minute": 25}
